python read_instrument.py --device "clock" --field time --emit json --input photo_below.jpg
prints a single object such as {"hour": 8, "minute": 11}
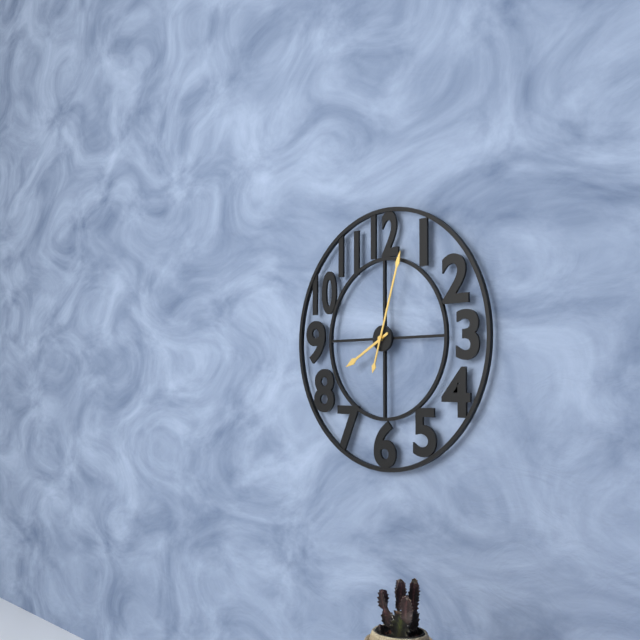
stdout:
{"hour": 8, "minute": 3}
